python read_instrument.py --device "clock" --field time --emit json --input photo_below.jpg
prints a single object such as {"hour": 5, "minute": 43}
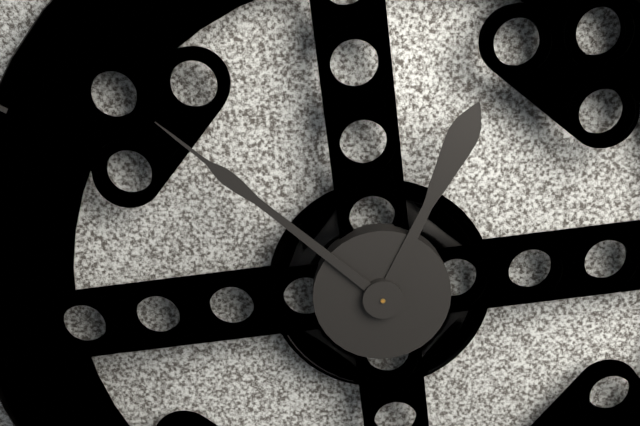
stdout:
{"hour": 12, "minute": 52}
